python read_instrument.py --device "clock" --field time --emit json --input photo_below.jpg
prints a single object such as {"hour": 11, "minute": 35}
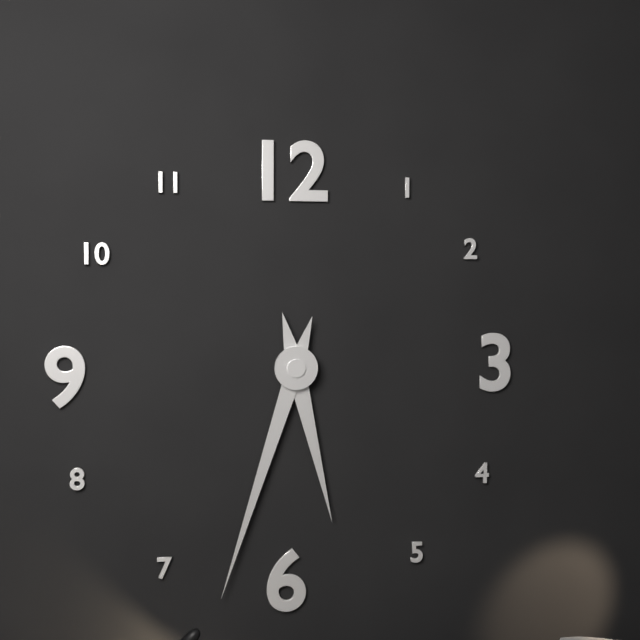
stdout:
{"hour": 5, "minute": 33}
